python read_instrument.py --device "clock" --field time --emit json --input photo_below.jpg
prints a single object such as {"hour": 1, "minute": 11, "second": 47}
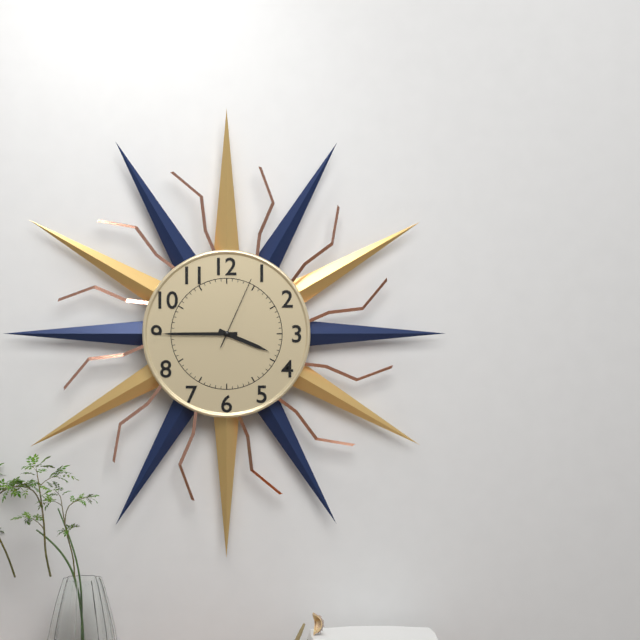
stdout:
{"hour": 3, "minute": 45, "second": 4}
